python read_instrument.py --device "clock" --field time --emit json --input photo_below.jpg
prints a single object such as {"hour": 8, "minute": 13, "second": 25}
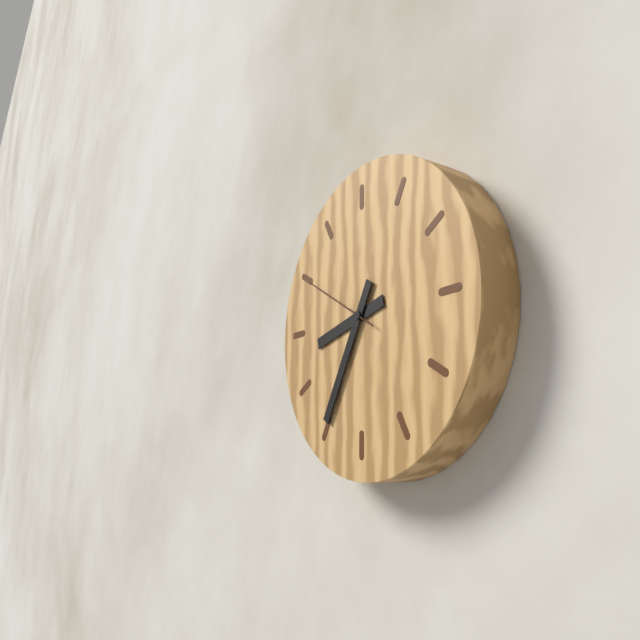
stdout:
{"hour": 8, "minute": 35, "second": 50}
